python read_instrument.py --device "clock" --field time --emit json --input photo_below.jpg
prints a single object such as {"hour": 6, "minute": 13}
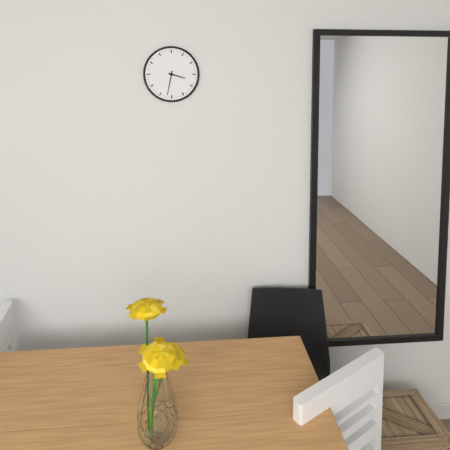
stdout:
{"hour": 3, "minute": 32}
